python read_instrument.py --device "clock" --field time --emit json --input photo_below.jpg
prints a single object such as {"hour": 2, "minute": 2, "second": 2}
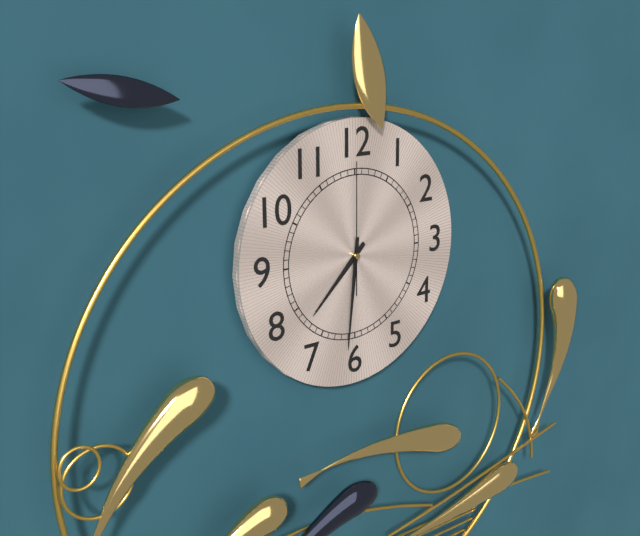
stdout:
{"hour": 7, "minute": 31, "second": 0}
